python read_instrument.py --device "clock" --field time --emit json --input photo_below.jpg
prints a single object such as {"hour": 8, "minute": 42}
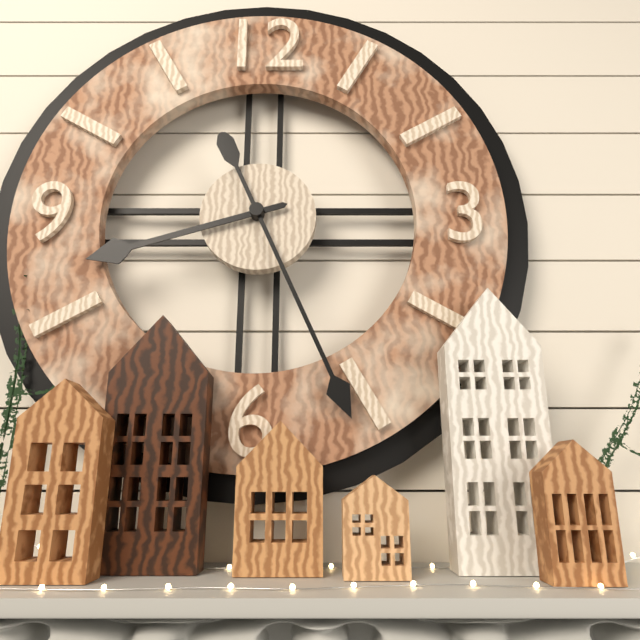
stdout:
{"hour": 8, "minute": 26}
